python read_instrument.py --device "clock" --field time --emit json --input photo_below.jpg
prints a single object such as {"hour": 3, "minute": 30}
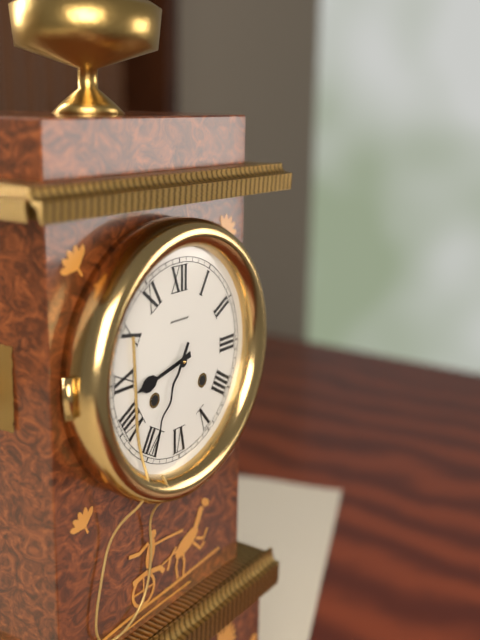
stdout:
{"hour": 8, "minute": 35}
